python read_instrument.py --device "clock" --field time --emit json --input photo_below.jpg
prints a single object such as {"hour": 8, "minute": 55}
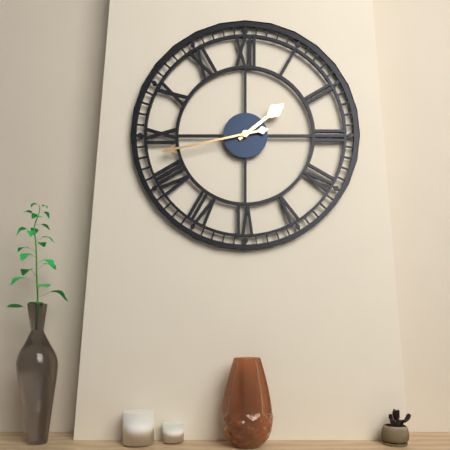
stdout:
{"hour": 1, "minute": 43}
